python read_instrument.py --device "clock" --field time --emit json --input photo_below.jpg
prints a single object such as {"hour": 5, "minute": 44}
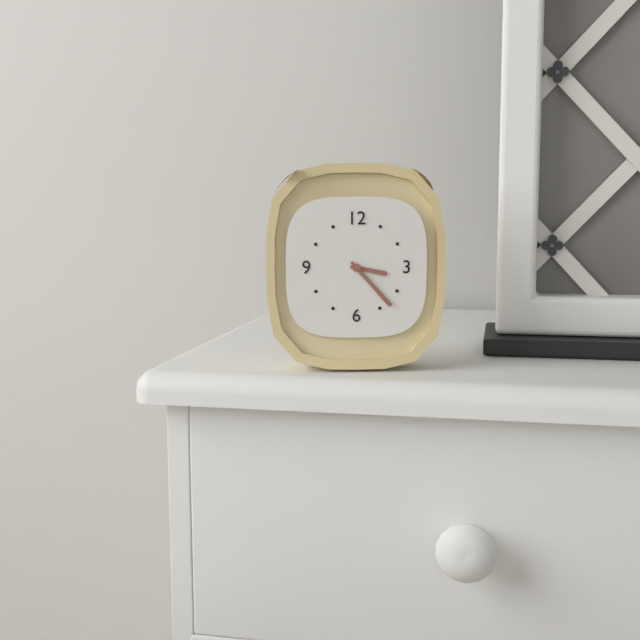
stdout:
{"hour": 3, "minute": 23}
